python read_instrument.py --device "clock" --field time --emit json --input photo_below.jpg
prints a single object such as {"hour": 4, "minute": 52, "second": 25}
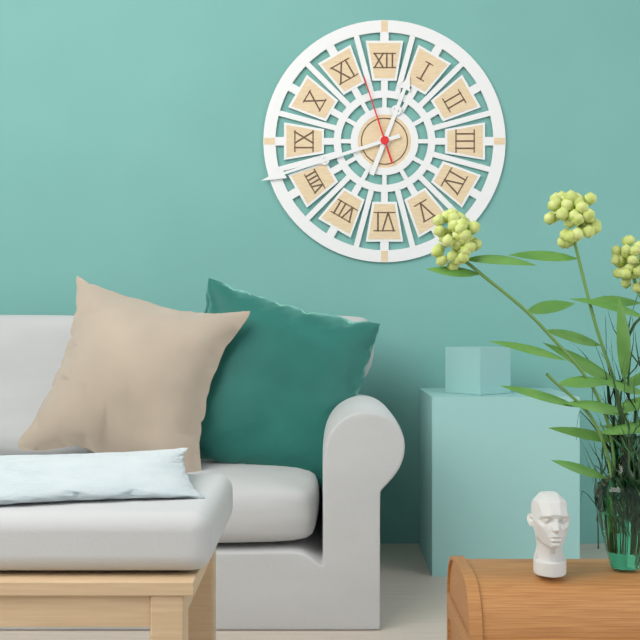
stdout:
{"hour": 12, "minute": 42, "second": 57}
